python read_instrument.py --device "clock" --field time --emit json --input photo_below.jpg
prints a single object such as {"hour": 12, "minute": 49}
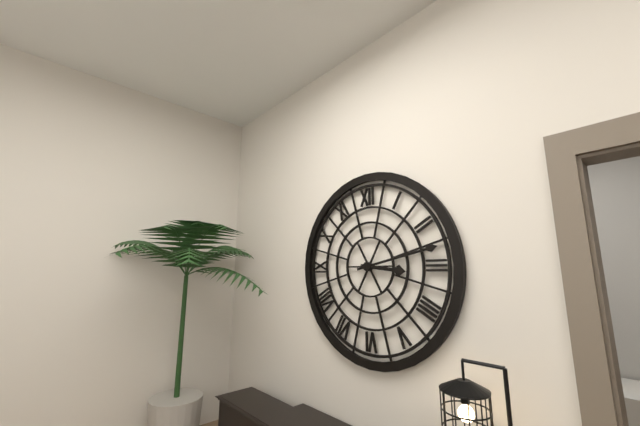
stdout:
{"hour": 3, "minute": 13}
